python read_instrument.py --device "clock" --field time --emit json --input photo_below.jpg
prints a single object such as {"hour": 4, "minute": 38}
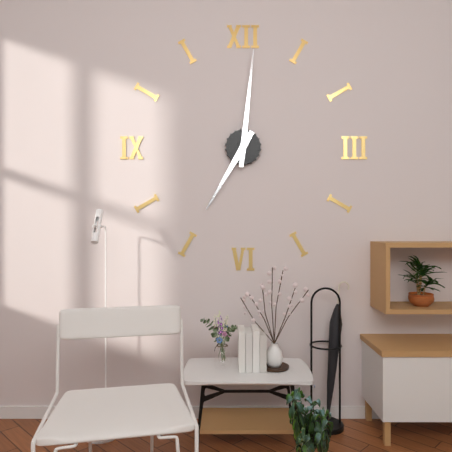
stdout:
{"hour": 7, "minute": 1}
